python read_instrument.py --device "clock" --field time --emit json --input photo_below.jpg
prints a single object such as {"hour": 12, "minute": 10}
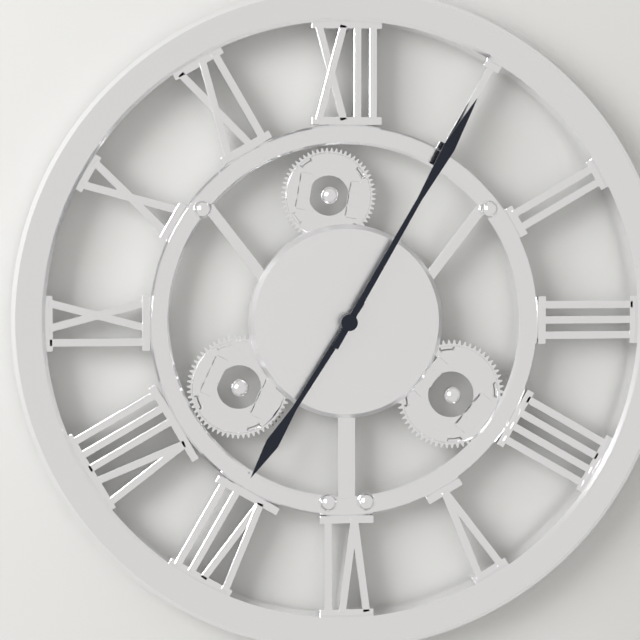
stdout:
{"hour": 7, "minute": 5}
